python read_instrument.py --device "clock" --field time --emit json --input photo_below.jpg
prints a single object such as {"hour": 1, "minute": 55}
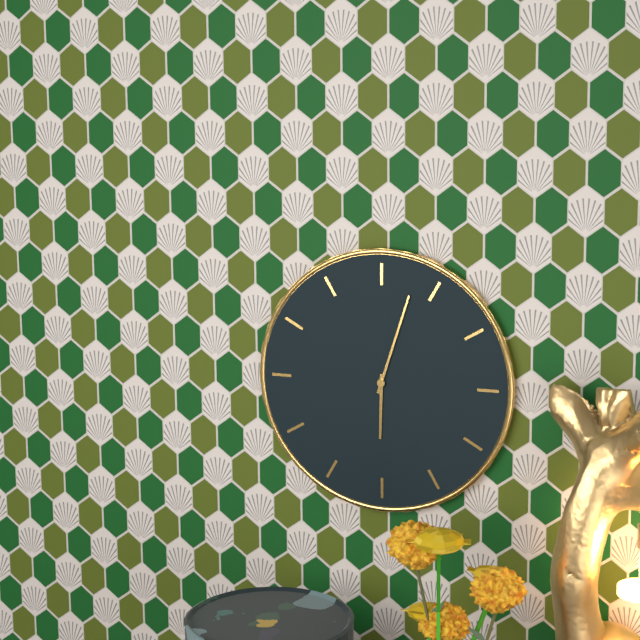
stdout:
{"hour": 6, "minute": 3}
